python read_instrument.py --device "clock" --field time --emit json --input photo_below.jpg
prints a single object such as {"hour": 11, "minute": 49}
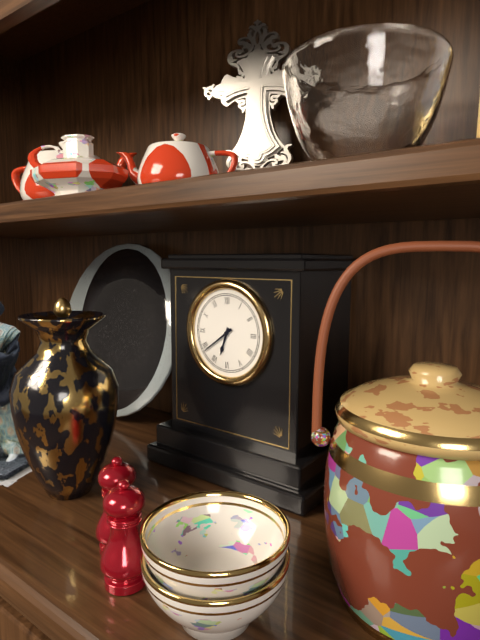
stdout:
{"hour": 6, "minute": 39}
